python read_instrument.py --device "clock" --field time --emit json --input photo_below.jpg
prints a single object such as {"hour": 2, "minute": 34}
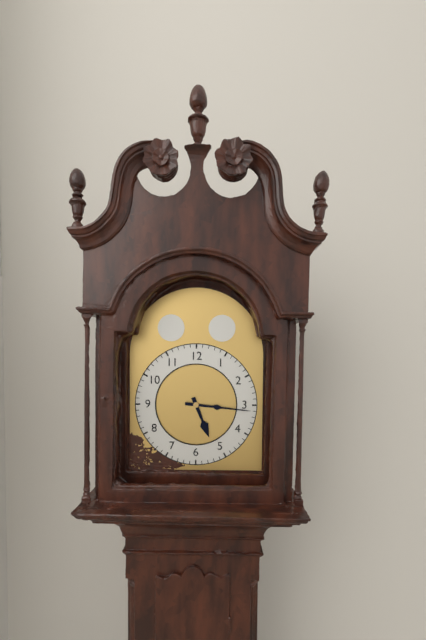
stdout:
{"hour": 5, "minute": 16}
